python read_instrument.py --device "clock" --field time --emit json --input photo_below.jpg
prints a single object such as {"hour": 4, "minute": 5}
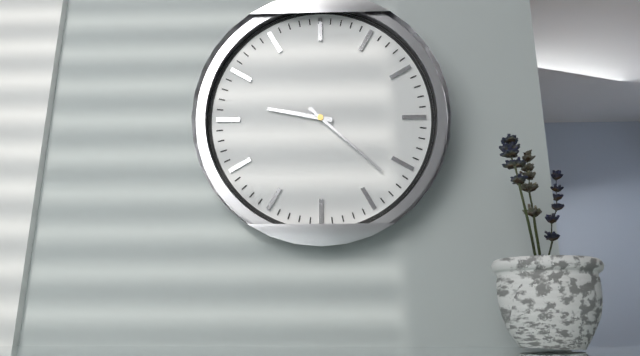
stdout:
{"hour": 9, "minute": 22}
